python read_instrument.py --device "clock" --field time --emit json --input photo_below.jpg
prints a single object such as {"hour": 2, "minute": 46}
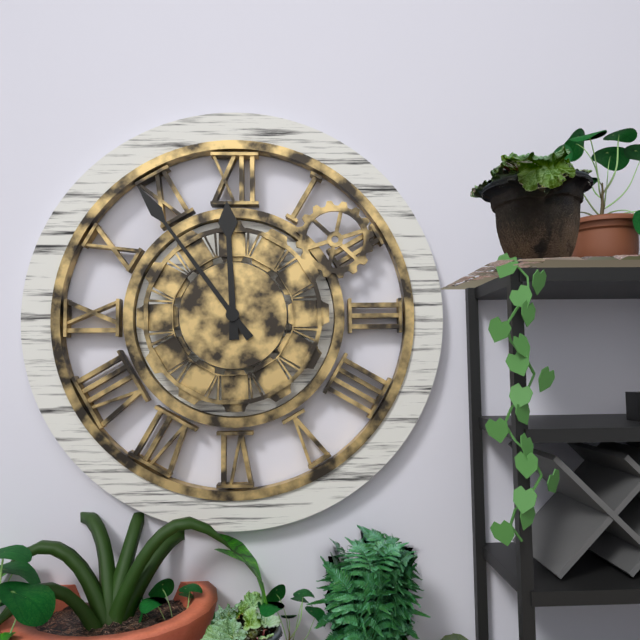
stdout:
{"hour": 11, "minute": 54}
